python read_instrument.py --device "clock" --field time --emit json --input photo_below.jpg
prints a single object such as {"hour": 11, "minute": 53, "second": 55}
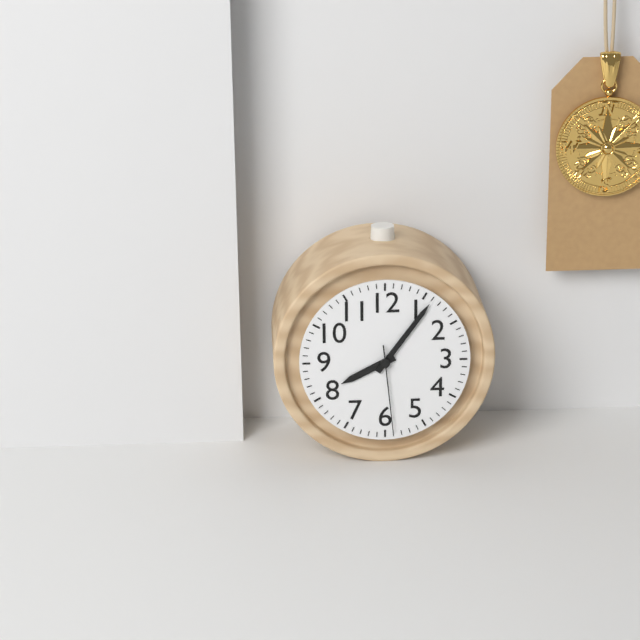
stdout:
{"hour": 8, "minute": 6, "second": 29}
